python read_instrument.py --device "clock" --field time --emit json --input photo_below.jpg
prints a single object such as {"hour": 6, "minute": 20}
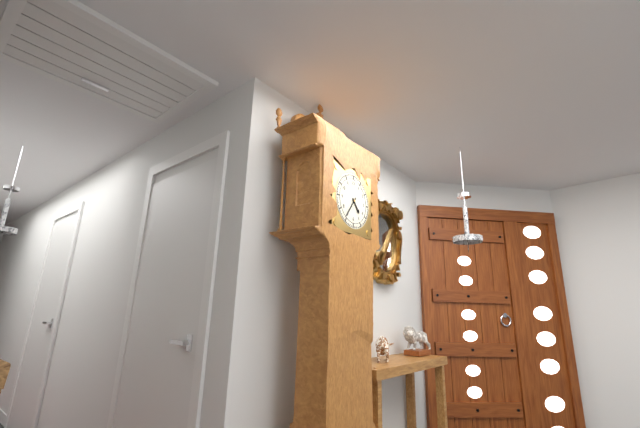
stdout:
{"hour": 4, "minute": 36}
